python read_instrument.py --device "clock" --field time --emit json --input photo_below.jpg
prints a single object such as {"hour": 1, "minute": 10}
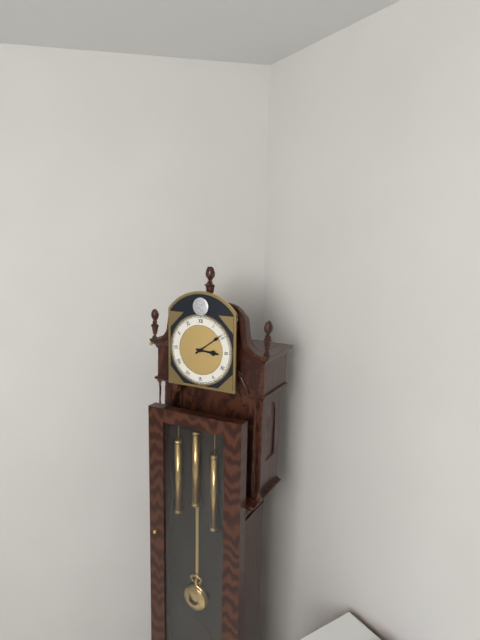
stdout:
{"hour": 3, "minute": 9}
